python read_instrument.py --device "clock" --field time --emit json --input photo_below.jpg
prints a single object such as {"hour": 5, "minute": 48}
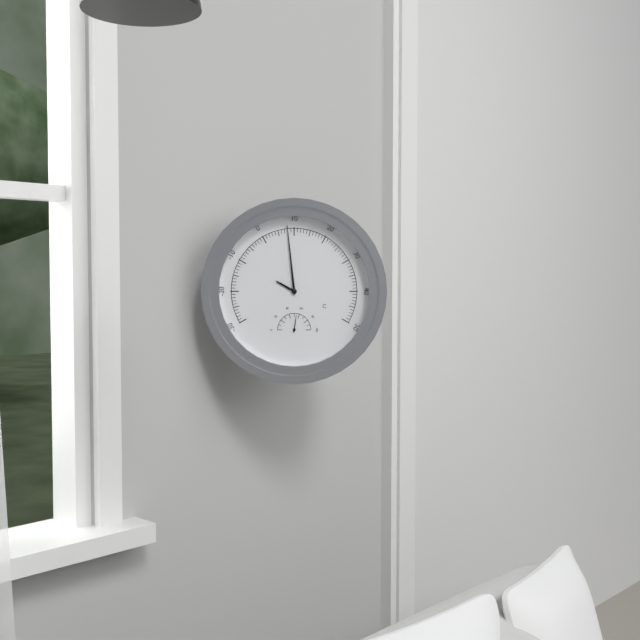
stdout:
{"hour": 9, "minute": 59}
